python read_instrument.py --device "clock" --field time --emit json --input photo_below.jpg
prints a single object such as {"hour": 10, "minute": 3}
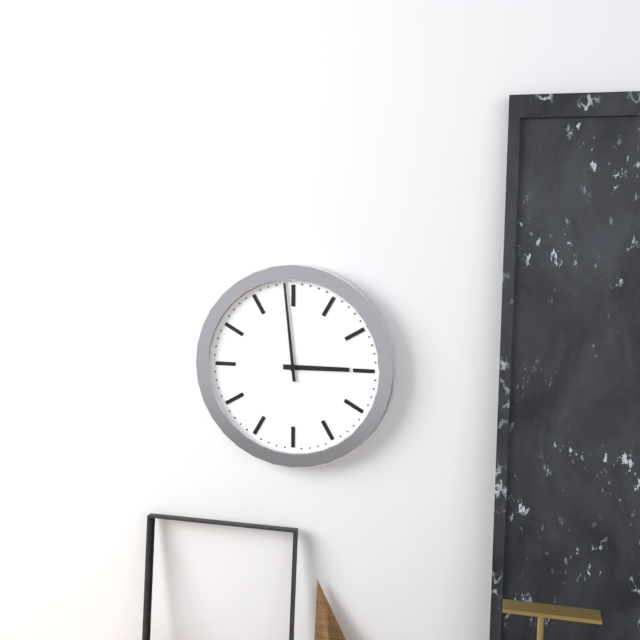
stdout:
{"hour": 2, "minute": 59}
